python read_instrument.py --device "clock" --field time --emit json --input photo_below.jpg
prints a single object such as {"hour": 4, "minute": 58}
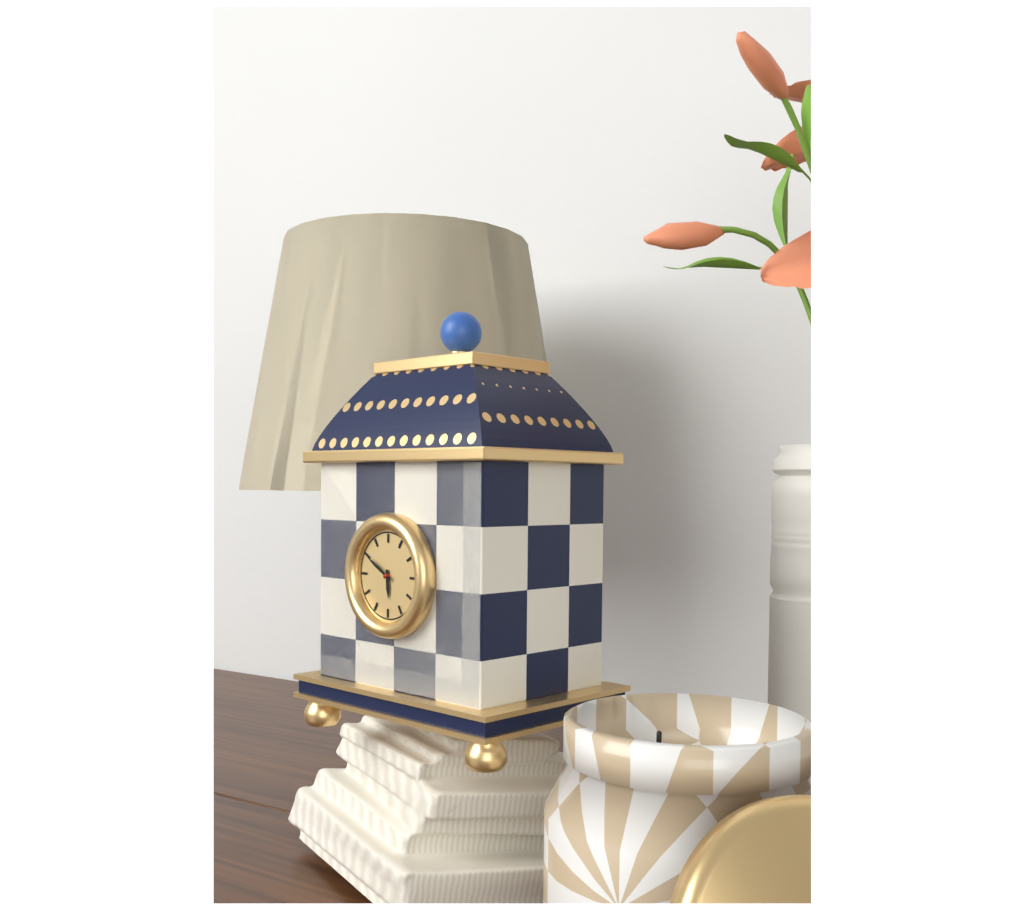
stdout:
{"hour": 5, "minute": 50}
